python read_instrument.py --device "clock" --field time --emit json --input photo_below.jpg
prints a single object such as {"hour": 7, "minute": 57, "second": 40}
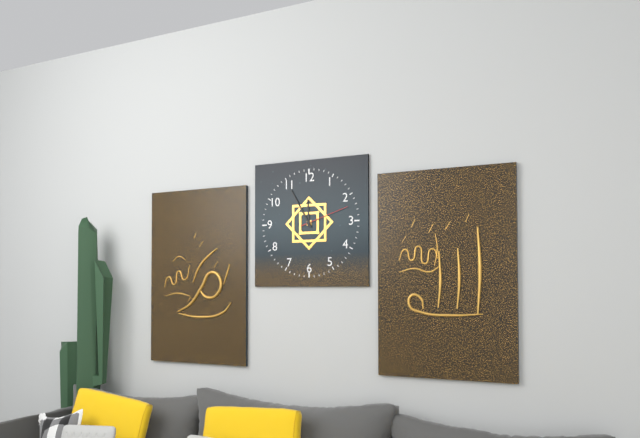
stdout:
{"hour": 11, "minute": 55, "second": 12}
